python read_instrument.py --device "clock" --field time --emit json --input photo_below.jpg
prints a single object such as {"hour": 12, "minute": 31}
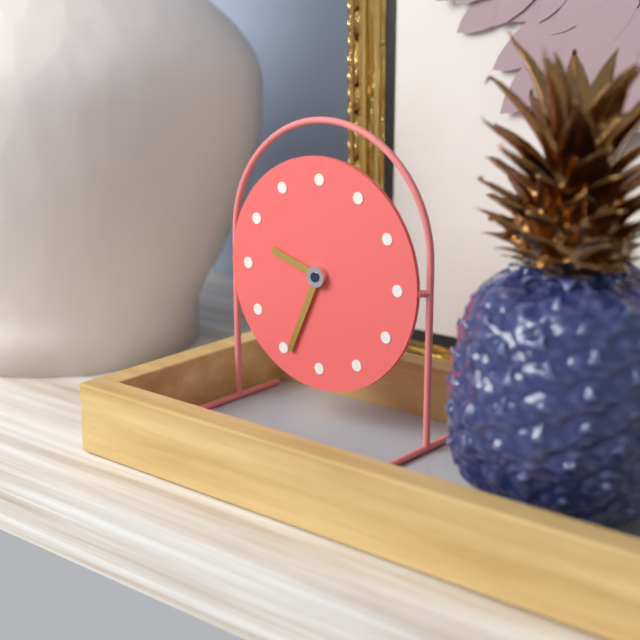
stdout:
{"hour": 9, "minute": 34}
